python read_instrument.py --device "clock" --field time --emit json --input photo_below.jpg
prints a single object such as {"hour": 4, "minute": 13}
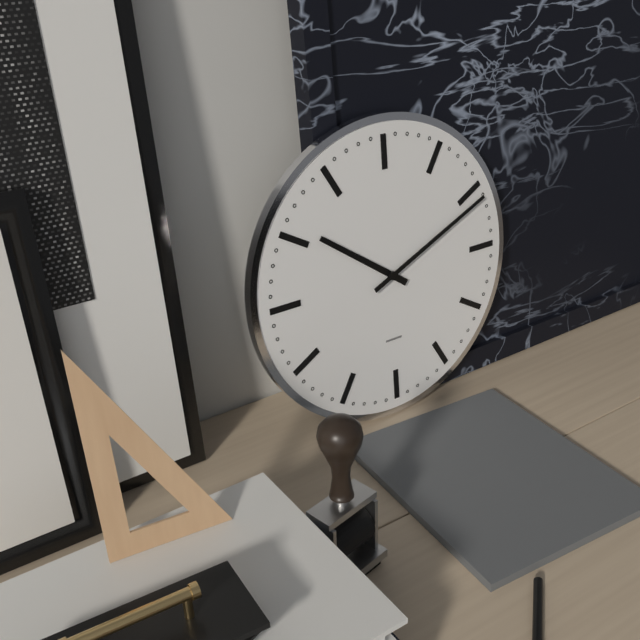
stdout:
{"hour": 10, "minute": 11}
